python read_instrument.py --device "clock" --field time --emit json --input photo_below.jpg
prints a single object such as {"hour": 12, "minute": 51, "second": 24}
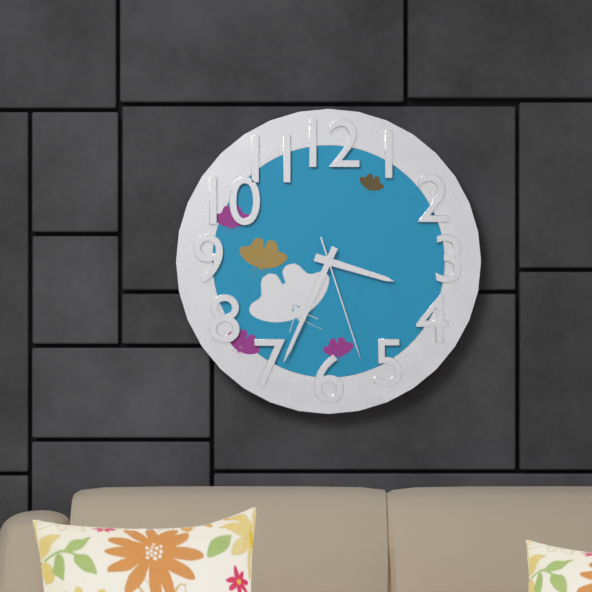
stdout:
{"hour": 3, "minute": 34, "second": 27}
